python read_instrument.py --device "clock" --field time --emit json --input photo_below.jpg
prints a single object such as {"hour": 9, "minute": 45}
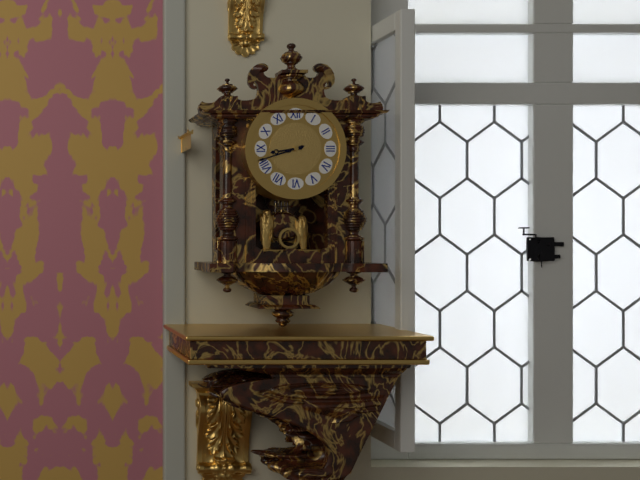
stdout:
{"hour": 8, "minute": 42}
